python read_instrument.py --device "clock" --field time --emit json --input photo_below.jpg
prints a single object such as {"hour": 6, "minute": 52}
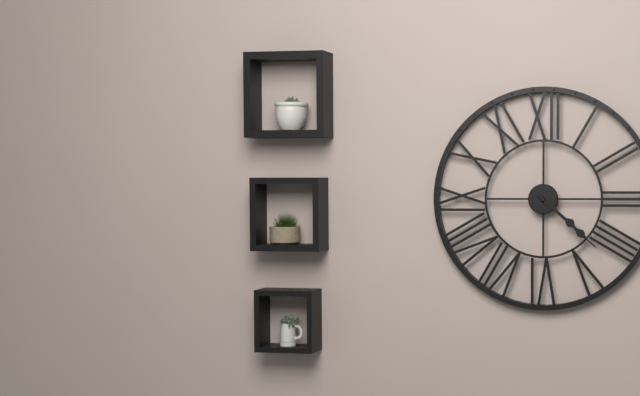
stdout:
{"hour": 4, "minute": 22}
